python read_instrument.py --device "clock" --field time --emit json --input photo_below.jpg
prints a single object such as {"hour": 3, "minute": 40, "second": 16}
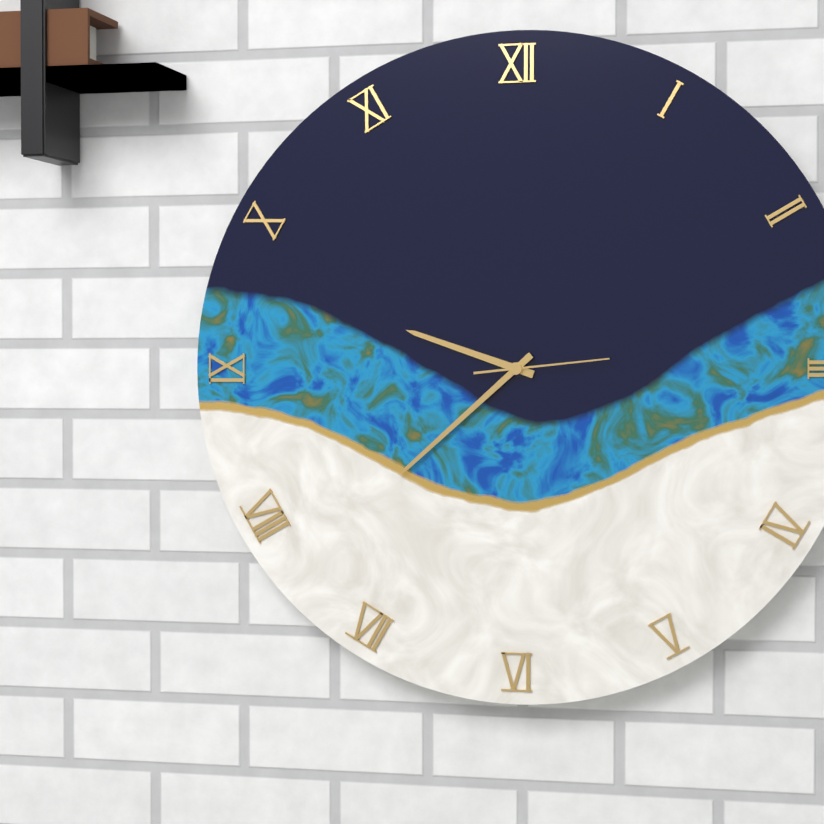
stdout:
{"hour": 9, "minute": 38, "second": 14}
